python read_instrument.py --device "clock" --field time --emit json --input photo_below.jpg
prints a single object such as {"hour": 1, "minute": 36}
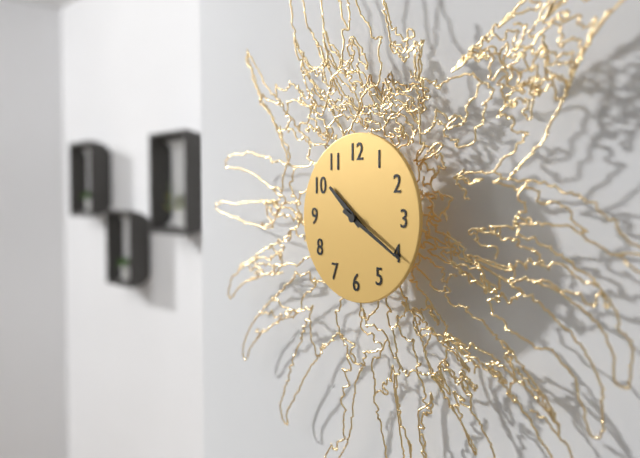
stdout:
{"hour": 10, "minute": 20}
